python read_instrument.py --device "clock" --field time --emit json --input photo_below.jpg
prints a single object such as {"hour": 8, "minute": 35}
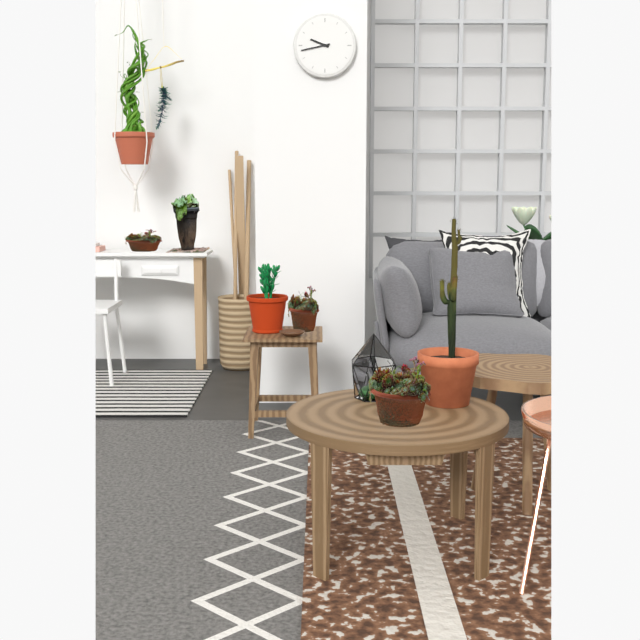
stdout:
{"hour": 9, "minute": 43}
